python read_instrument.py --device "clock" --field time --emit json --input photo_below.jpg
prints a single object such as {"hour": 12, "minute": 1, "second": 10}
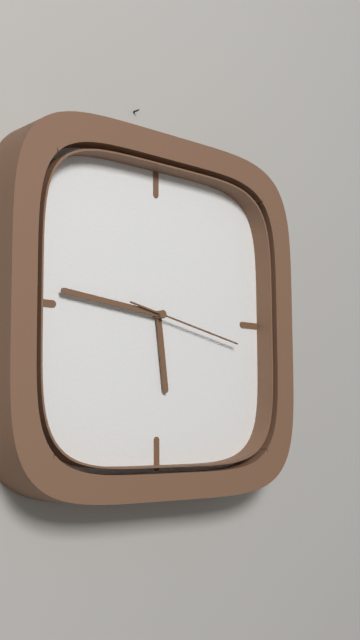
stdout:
{"hour": 5, "minute": 46, "second": 17}
